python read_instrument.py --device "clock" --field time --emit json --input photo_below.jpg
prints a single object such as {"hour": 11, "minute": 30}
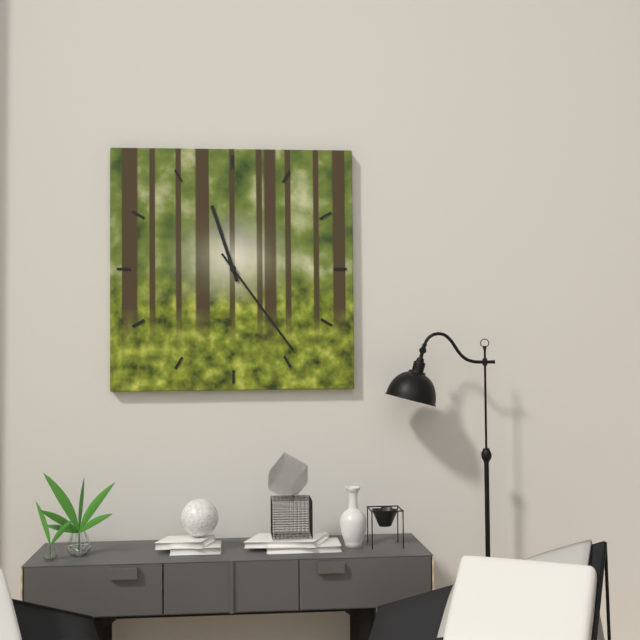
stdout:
{"hour": 11, "minute": 24}
